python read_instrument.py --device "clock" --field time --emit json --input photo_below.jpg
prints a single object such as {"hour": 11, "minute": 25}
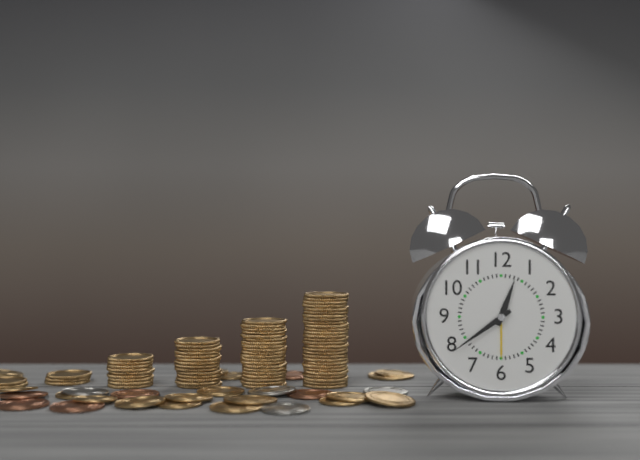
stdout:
{"hour": 12, "minute": 39}
